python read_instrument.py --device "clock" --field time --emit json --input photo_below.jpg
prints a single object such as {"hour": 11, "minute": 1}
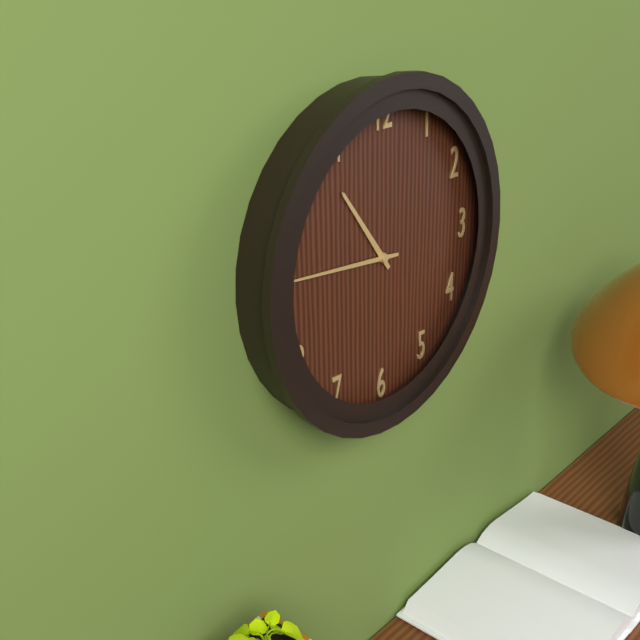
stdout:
{"hour": 10, "minute": 46}
